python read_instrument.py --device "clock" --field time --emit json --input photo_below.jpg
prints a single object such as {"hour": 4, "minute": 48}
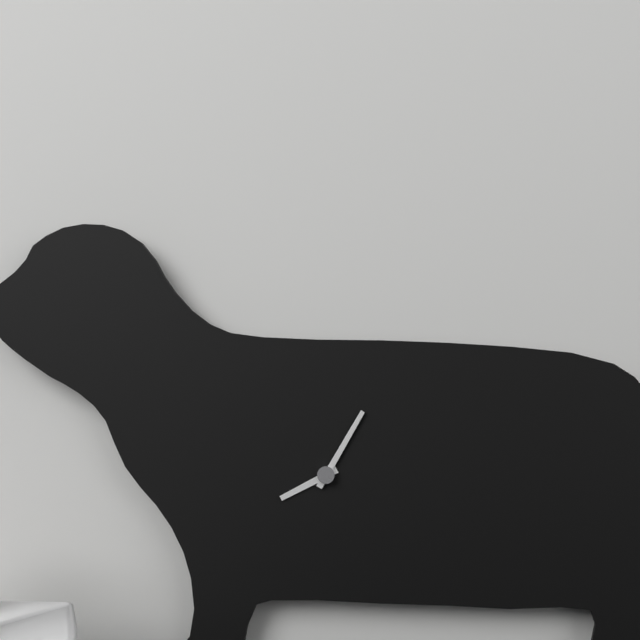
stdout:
{"hour": 8, "minute": 5}
